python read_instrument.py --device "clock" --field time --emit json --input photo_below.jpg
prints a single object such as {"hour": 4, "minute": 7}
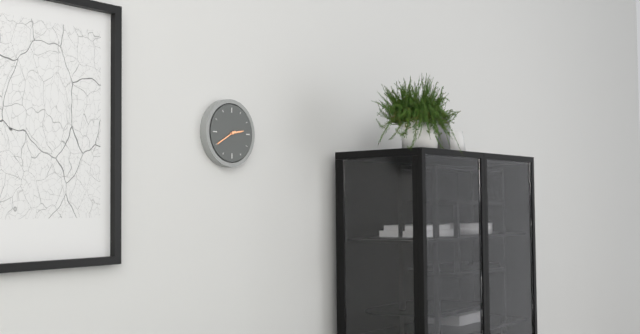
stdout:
{"hour": 2, "minute": 40}
